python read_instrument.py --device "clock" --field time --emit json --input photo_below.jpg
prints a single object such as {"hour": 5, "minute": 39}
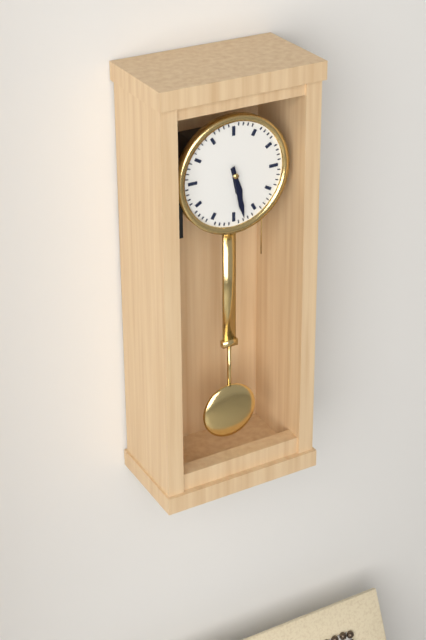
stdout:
{"hour": 5, "minute": 28}
